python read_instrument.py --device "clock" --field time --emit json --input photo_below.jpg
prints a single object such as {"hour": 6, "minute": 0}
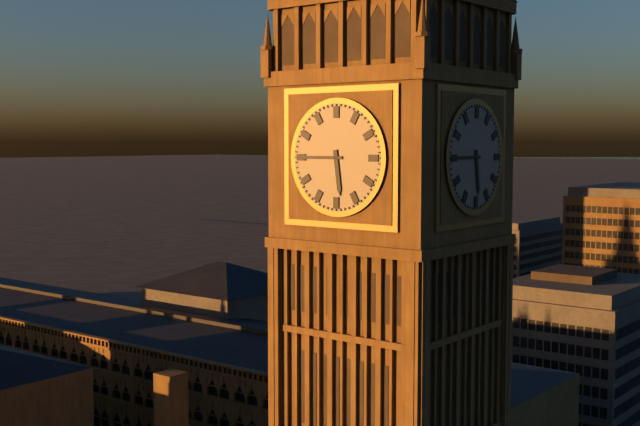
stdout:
{"hour": 5, "minute": 45}
